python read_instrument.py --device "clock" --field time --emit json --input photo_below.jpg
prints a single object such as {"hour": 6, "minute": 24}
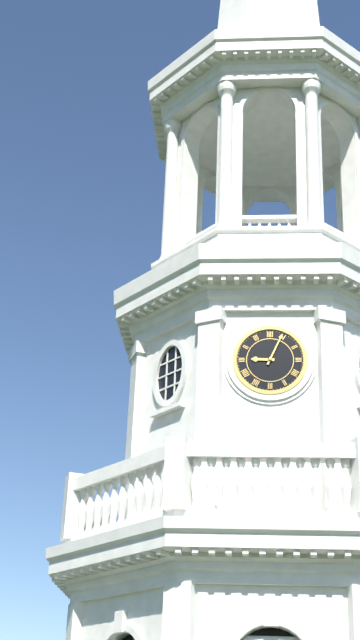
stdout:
{"hour": 9, "minute": 4}
